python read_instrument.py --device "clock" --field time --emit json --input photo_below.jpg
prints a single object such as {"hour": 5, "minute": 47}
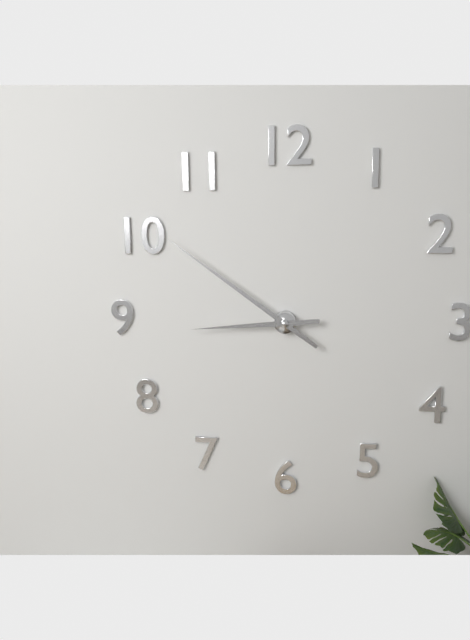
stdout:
{"hour": 8, "minute": 51}
